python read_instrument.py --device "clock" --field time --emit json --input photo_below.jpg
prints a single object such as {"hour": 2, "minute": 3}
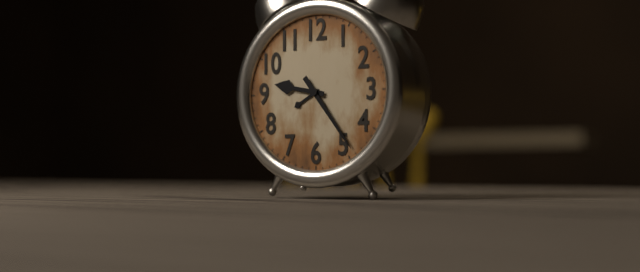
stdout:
{"hour": 9, "minute": 24}
